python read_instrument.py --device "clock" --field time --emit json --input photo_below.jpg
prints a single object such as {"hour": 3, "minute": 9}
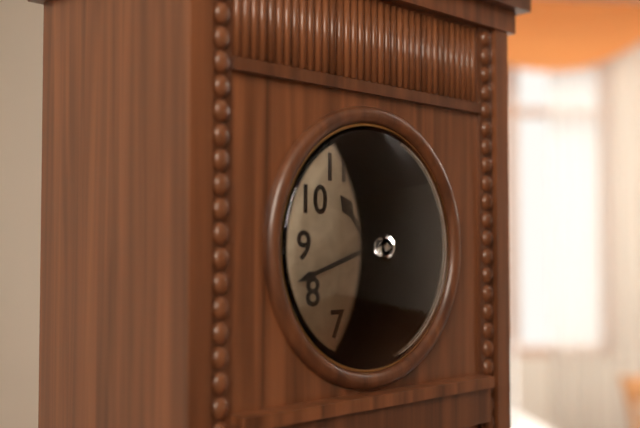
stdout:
{"hour": 10, "minute": 42}
